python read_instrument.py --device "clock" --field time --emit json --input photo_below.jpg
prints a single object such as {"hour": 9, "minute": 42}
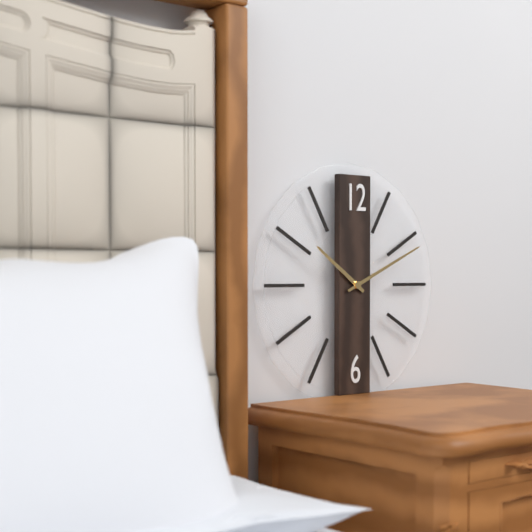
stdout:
{"hour": 10, "minute": 11}
